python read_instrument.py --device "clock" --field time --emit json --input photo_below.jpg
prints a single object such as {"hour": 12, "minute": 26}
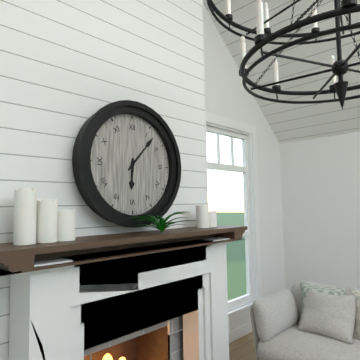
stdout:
{"hour": 6, "minute": 7}
